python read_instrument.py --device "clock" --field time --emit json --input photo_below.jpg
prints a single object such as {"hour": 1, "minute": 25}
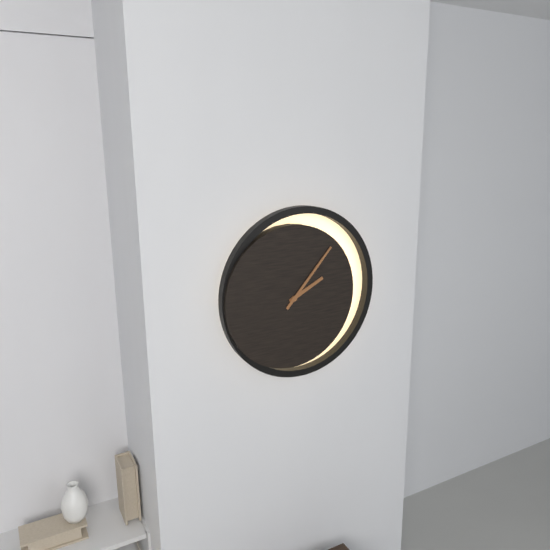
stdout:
{"hour": 2, "minute": 7}
